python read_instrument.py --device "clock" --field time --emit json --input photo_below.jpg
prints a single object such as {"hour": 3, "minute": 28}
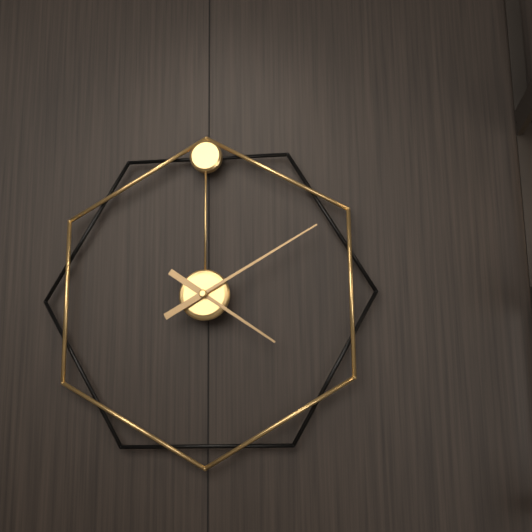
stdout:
{"hour": 4, "minute": 10}
